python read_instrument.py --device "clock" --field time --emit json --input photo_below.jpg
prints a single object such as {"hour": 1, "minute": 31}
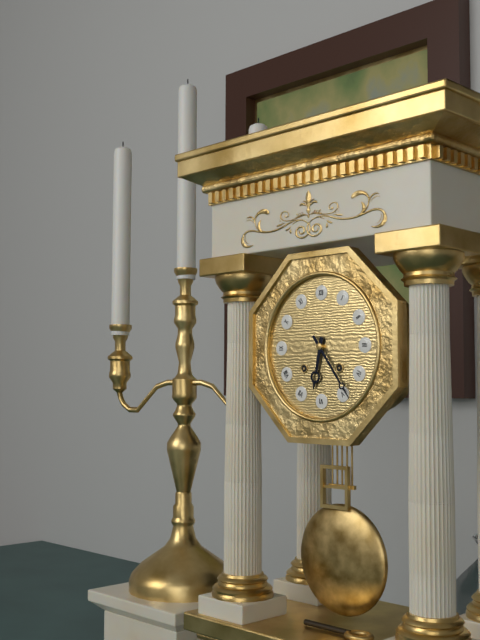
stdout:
{"hour": 6, "minute": 24}
